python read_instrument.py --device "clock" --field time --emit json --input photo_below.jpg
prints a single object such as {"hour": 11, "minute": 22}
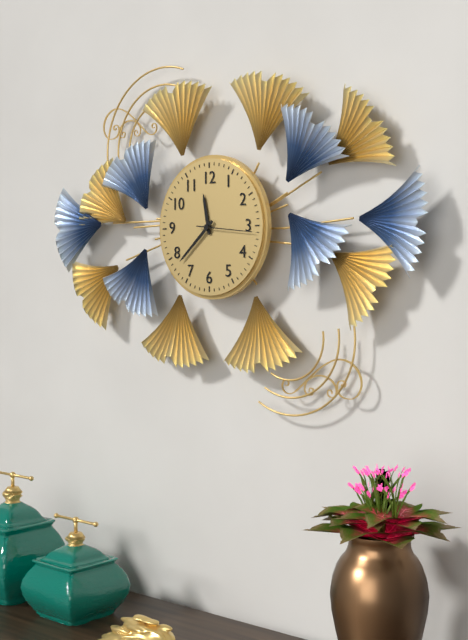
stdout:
{"hour": 11, "minute": 38}
